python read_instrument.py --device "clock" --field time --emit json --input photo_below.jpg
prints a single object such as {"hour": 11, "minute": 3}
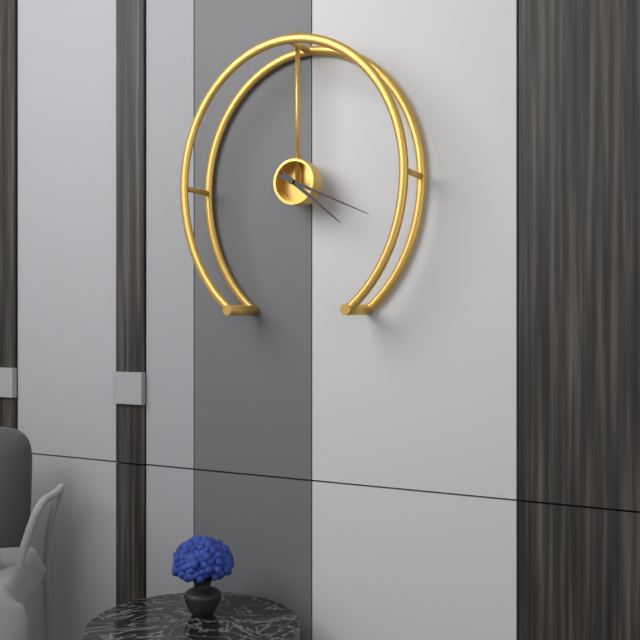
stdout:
{"hour": 4, "minute": 19}
